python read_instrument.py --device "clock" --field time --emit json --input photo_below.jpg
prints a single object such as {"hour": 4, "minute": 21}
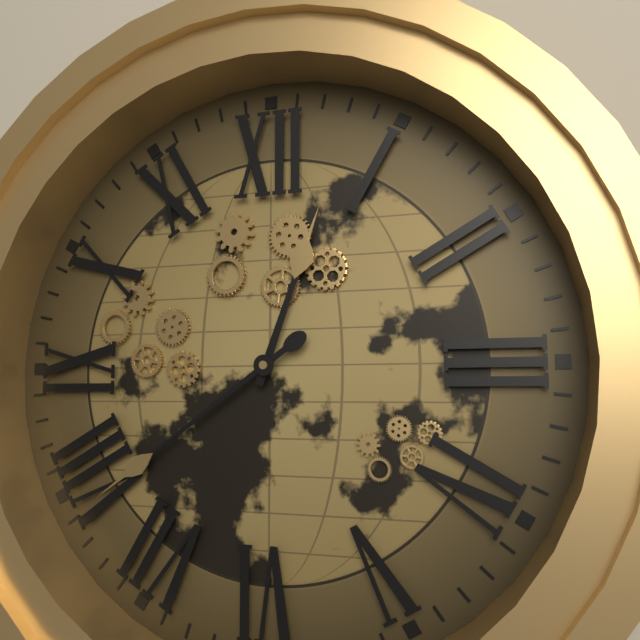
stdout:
{"hour": 12, "minute": 39}
